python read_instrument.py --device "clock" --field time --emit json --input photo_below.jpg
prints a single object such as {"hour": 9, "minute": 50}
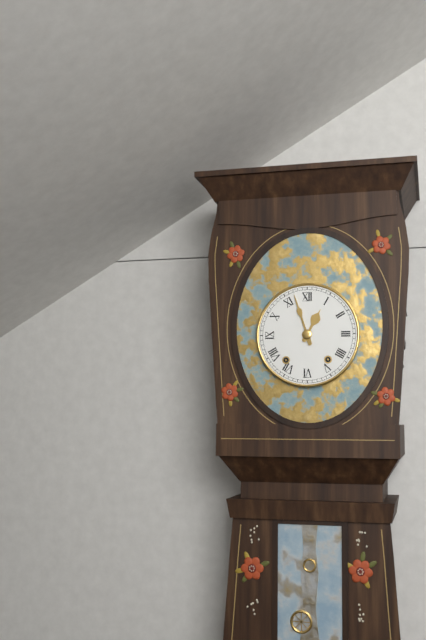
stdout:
{"hour": 12, "minute": 57}
